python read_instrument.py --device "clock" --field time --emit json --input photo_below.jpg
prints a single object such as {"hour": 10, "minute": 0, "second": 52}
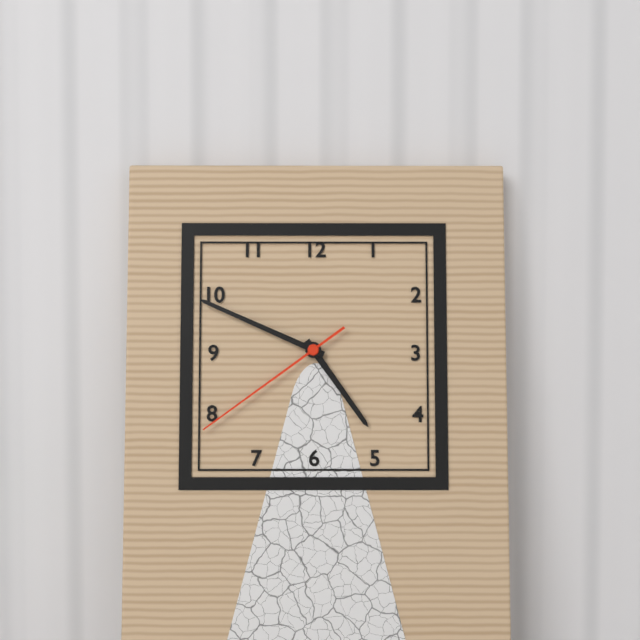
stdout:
{"hour": 4, "minute": 49, "second": 39}
